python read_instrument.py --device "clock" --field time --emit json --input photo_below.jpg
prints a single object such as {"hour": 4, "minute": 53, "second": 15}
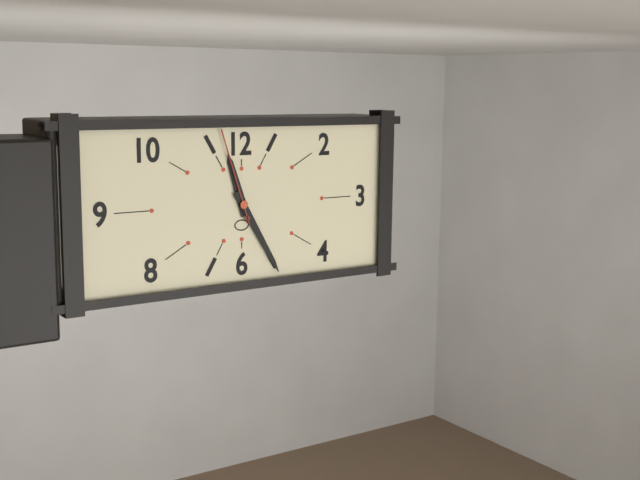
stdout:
{"hour": 11, "minute": 25, "second": 57}
